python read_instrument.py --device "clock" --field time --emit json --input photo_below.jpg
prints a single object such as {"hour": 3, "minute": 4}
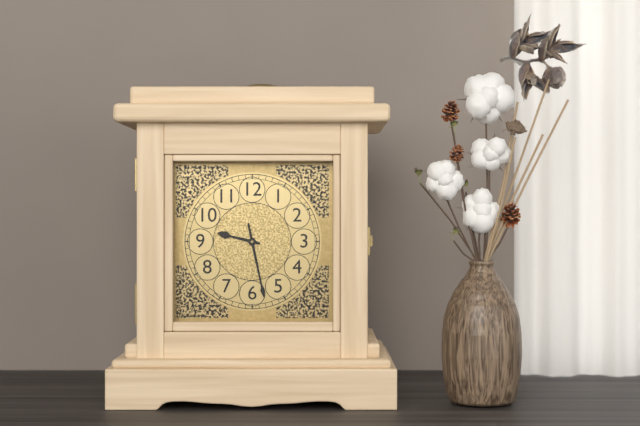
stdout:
{"hour": 9, "minute": 28}
